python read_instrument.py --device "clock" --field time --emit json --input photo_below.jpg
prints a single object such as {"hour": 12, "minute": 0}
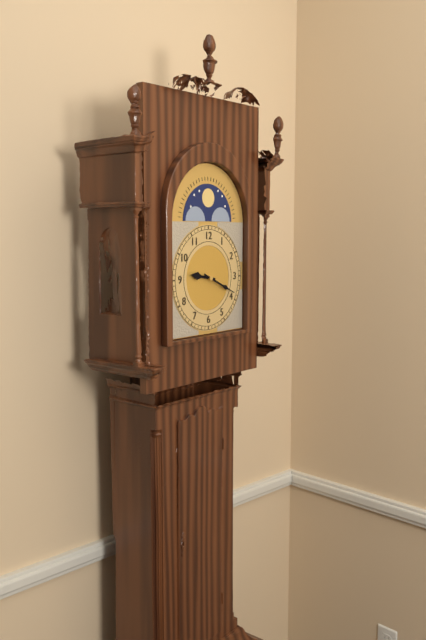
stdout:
{"hour": 9, "minute": 19}
